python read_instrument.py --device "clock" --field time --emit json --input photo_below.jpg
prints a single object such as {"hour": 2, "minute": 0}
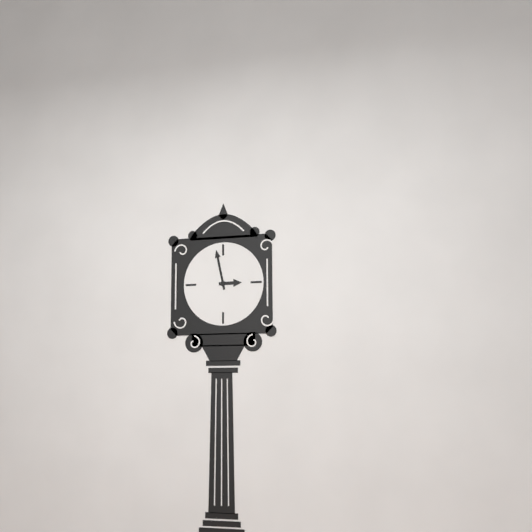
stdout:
{"hour": 2, "minute": 58}
